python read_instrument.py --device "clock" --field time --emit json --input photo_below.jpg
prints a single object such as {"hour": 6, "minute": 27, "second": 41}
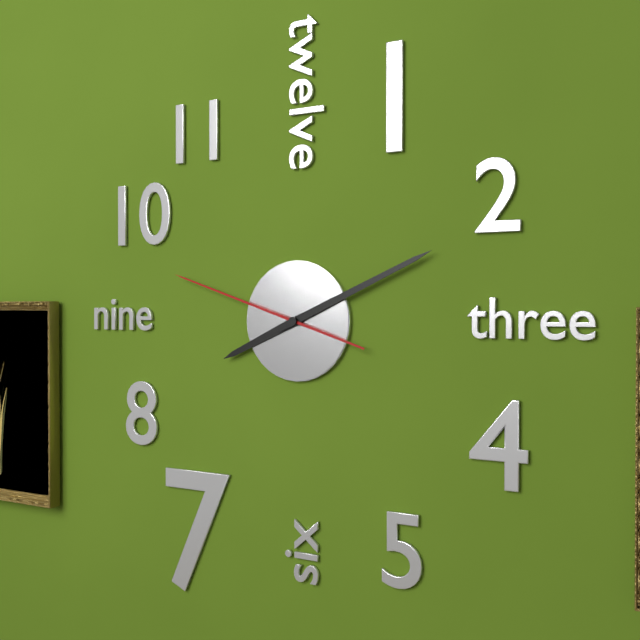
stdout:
{"hour": 8, "minute": 11, "second": 48}
